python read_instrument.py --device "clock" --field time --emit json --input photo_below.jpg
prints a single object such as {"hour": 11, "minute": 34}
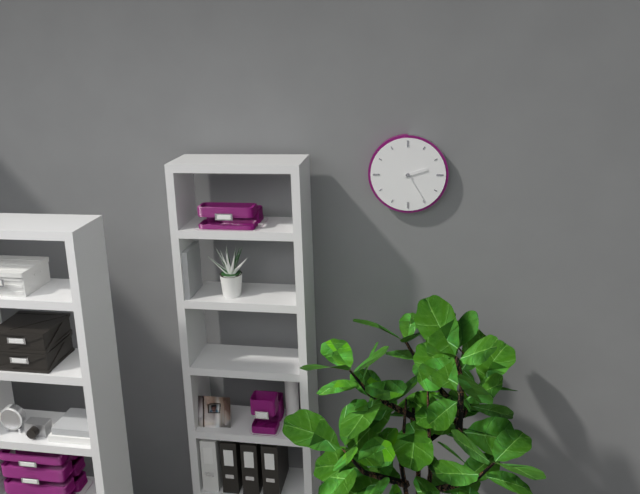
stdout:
{"hour": 2, "minute": 25}
